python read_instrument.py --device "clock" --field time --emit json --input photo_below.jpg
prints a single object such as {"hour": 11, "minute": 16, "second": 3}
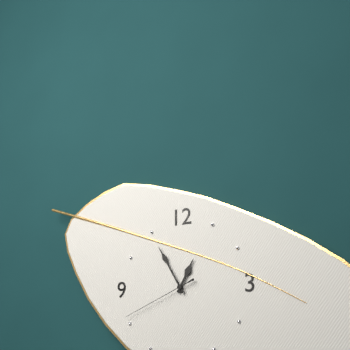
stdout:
{"hour": 12, "minute": 55, "second": 41}
